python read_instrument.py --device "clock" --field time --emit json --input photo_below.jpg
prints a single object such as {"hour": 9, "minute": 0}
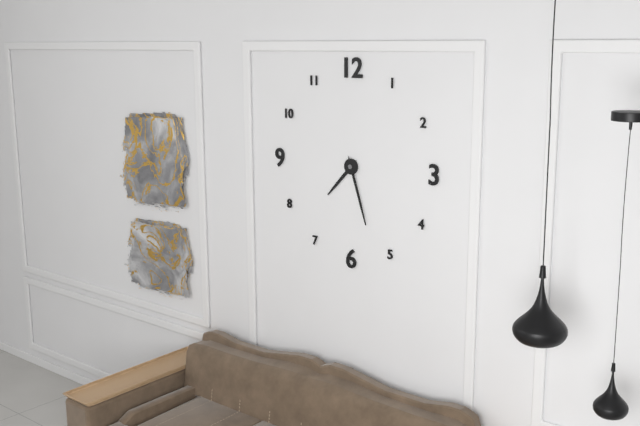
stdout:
{"hour": 7, "minute": 27}
